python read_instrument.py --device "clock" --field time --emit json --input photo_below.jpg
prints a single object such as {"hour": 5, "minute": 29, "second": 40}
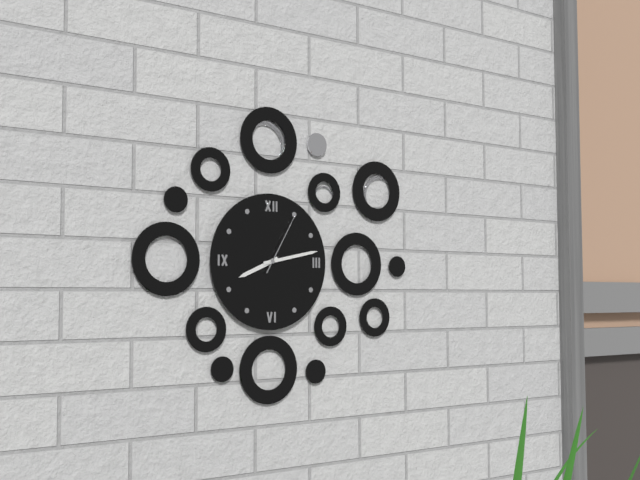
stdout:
{"hour": 8, "minute": 13, "second": 5}
